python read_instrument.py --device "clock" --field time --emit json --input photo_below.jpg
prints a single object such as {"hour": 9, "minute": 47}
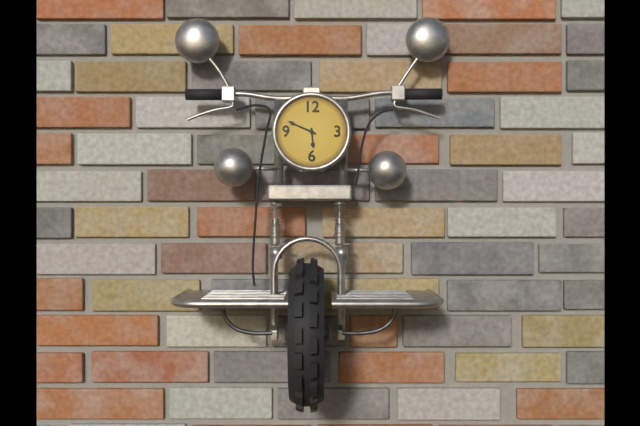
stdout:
{"hour": 5, "minute": 49}
